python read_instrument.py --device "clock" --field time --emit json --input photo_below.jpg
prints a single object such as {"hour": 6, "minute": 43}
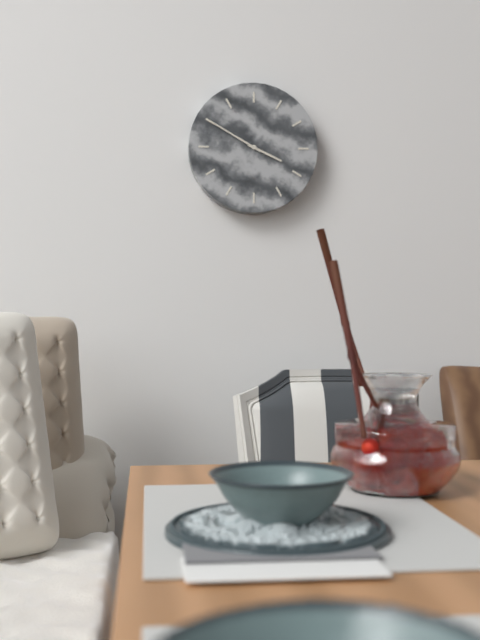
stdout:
{"hour": 3, "minute": 50}
